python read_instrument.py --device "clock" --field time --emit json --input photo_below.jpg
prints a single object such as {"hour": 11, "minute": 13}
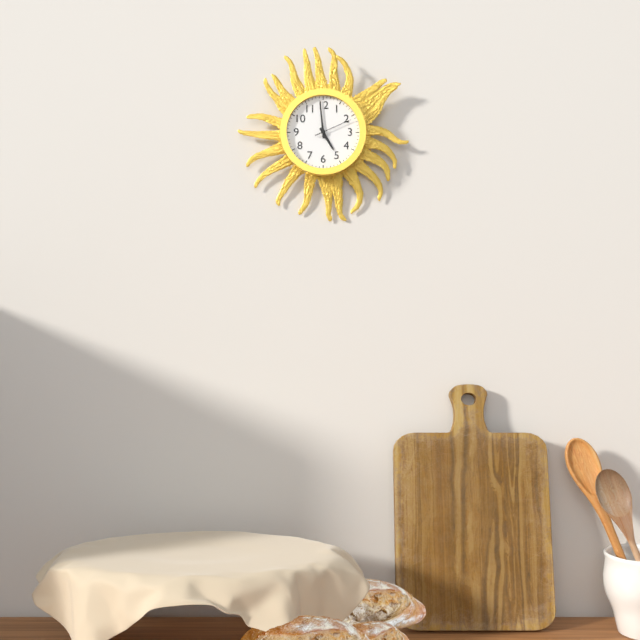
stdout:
{"hour": 4, "minute": 59}
